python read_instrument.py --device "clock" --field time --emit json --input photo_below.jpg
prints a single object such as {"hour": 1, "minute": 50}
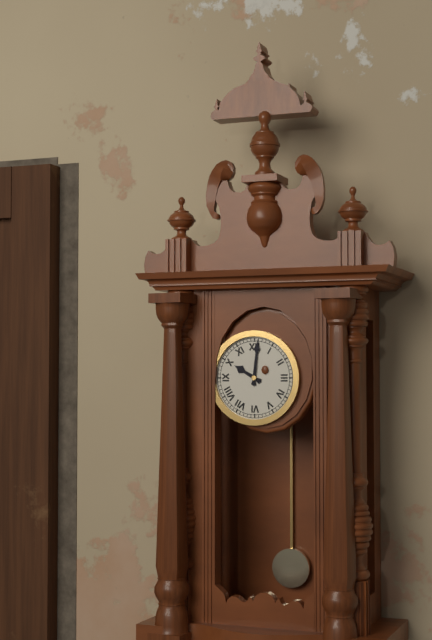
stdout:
{"hour": 10, "minute": 1}
